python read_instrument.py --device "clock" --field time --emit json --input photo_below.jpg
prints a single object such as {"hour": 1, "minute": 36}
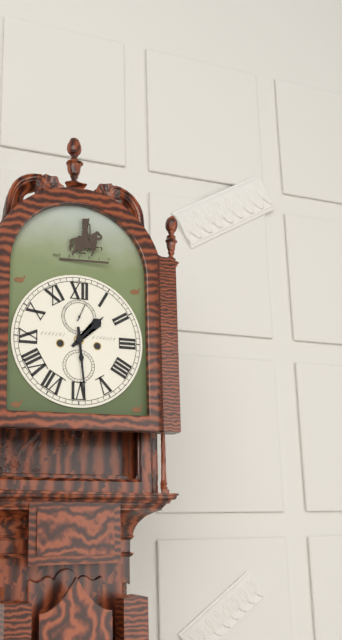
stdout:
{"hour": 1, "minute": 29}
